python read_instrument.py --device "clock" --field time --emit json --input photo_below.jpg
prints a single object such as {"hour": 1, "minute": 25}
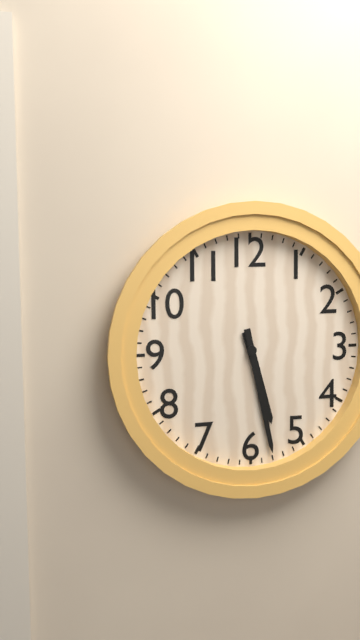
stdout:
{"hour": 5, "minute": 28}
